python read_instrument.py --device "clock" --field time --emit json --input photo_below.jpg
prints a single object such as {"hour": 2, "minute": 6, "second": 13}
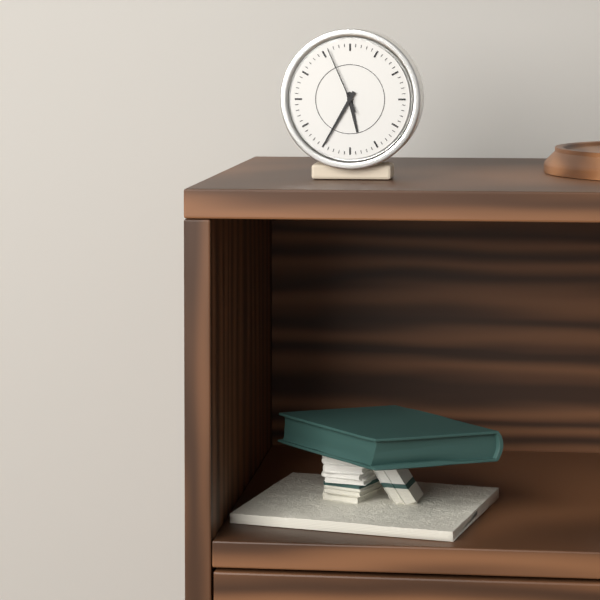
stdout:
{"hour": 5, "minute": 35, "second": 56}
